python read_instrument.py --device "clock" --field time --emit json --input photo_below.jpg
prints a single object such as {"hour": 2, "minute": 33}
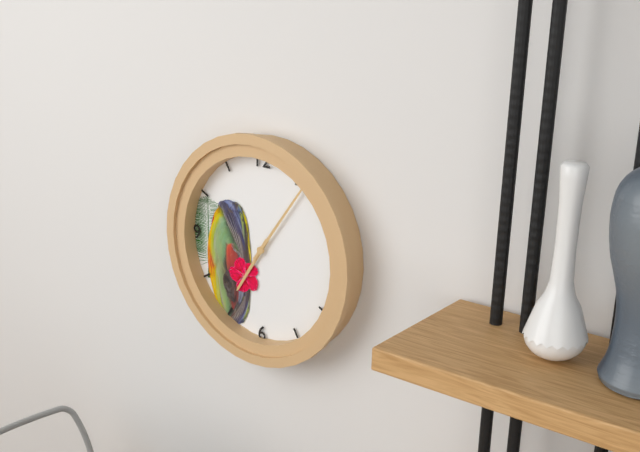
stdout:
{"hour": 7, "minute": 6}
